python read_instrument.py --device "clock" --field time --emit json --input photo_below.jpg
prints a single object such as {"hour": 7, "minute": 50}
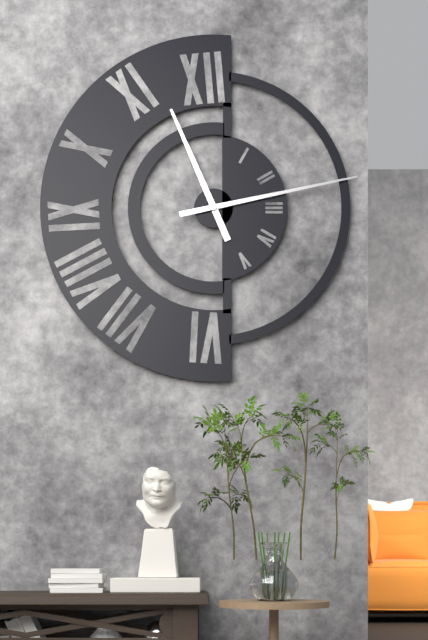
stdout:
{"hour": 11, "minute": 13}
